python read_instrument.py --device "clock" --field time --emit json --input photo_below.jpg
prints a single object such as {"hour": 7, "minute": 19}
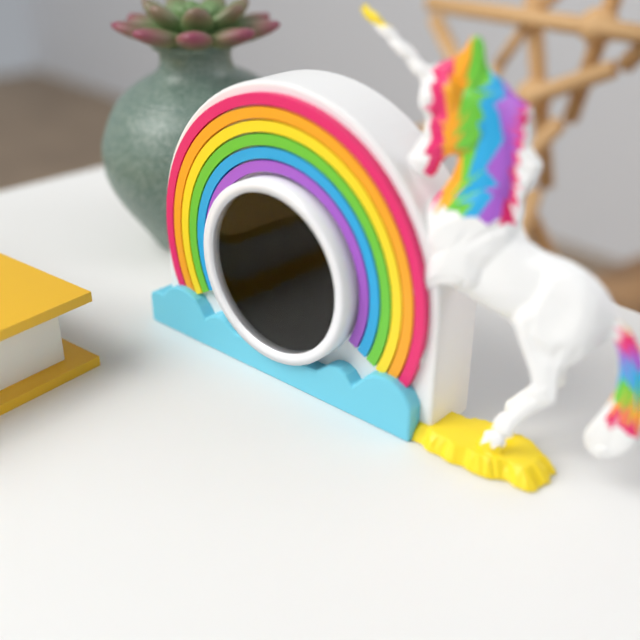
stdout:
{"hour": 11, "minute": 42}
